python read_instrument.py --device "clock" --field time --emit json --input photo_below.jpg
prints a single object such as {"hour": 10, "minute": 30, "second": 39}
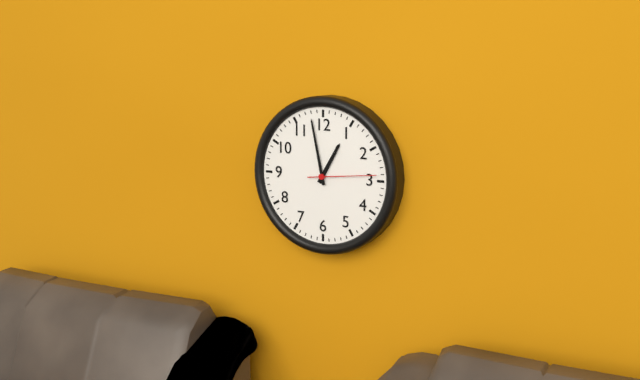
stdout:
{"hour": 12, "minute": 58, "second": 14}
